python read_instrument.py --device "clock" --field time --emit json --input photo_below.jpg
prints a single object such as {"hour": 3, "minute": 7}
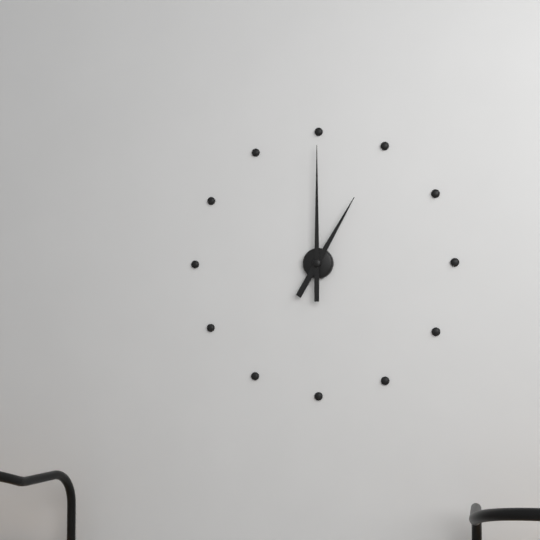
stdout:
{"hour": 1, "minute": 0}
